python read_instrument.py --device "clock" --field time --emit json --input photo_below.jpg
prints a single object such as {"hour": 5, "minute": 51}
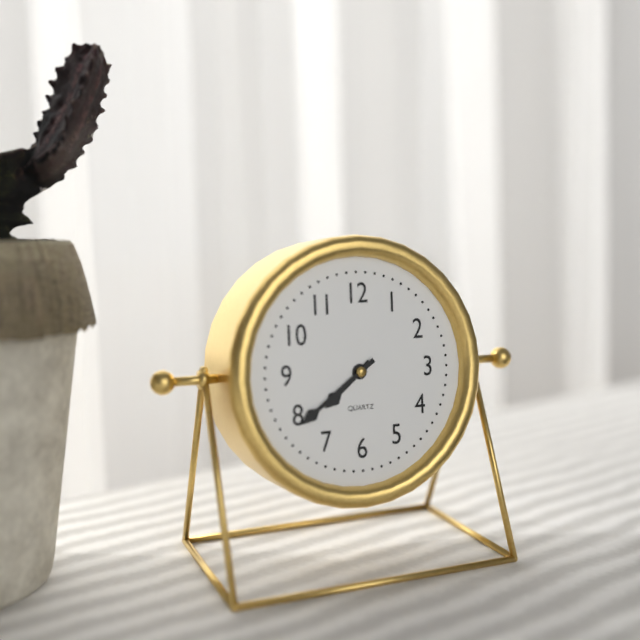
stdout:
{"hour": 7, "minute": 39}
